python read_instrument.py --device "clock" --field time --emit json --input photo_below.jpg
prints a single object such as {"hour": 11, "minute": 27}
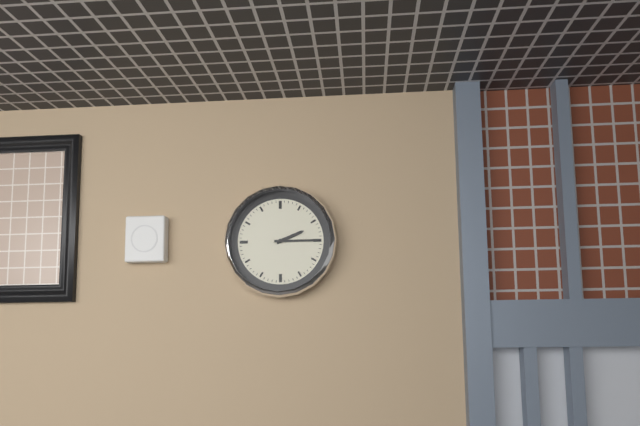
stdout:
{"hour": 2, "minute": 15}
